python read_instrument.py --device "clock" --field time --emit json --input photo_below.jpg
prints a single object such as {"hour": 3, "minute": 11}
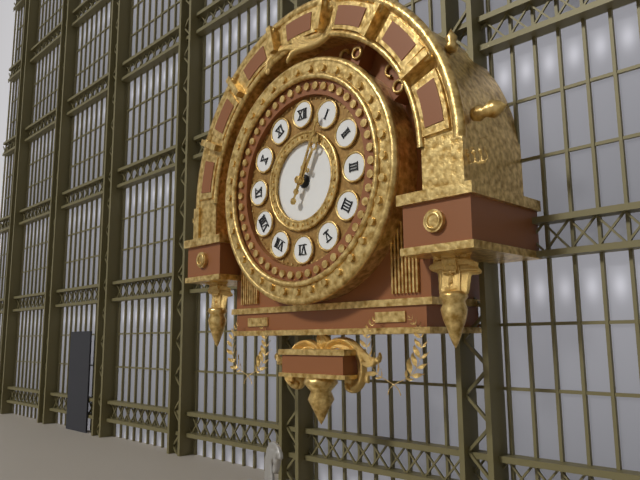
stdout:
{"hour": 1, "minute": 4}
